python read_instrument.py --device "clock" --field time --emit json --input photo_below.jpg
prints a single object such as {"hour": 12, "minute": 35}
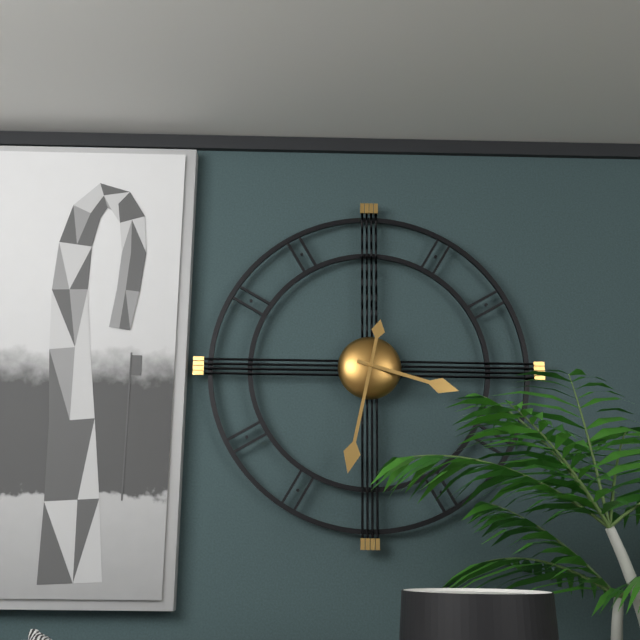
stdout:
{"hour": 3, "minute": 32}
